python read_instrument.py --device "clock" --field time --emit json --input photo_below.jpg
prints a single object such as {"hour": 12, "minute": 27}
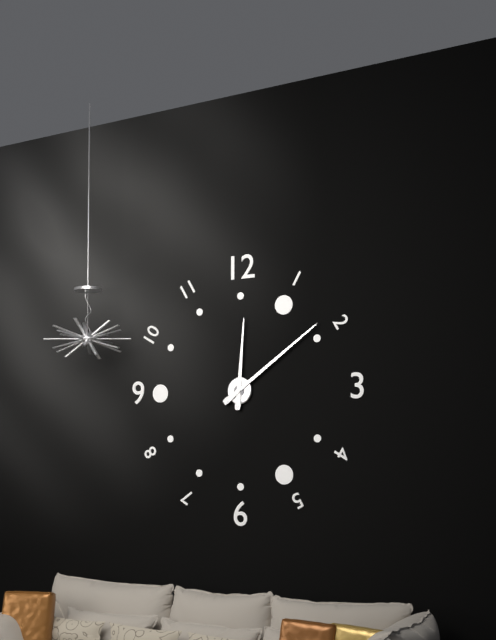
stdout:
{"hour": 12, "minute": 9}
